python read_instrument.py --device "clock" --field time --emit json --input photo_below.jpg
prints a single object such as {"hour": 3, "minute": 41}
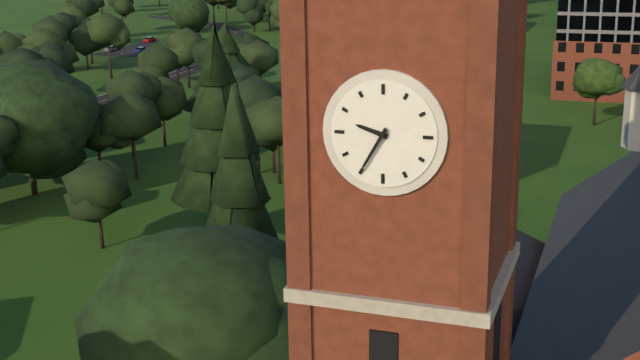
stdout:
{"hour": 9, "minute": 35}
